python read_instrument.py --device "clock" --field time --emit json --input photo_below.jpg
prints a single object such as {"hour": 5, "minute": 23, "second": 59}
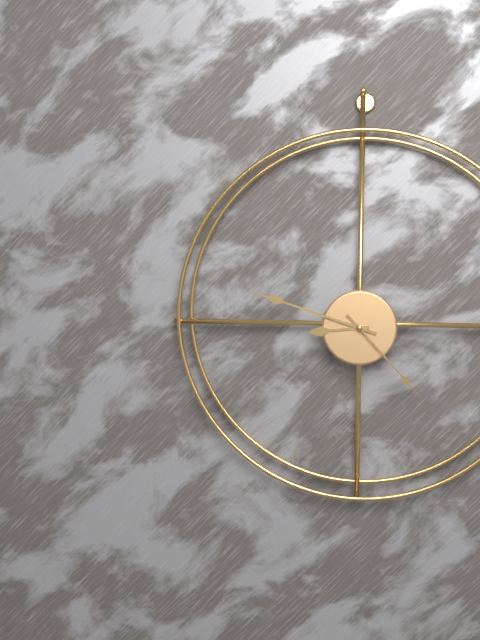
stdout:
{"hour": 8, "minute": 48, "second": 23}
